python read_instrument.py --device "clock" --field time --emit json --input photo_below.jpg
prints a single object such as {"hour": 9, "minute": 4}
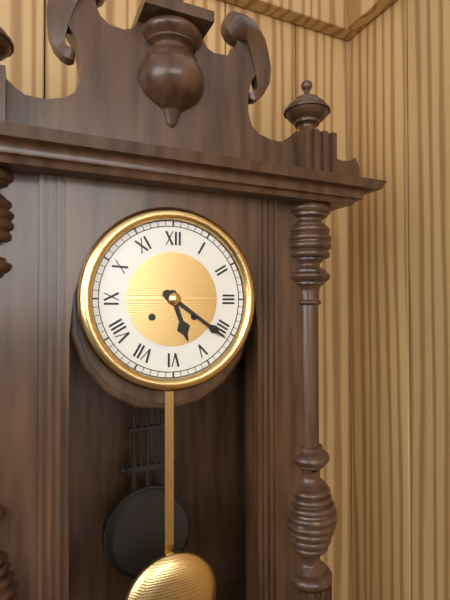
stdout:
{"hour": 5, "minute": 21}
